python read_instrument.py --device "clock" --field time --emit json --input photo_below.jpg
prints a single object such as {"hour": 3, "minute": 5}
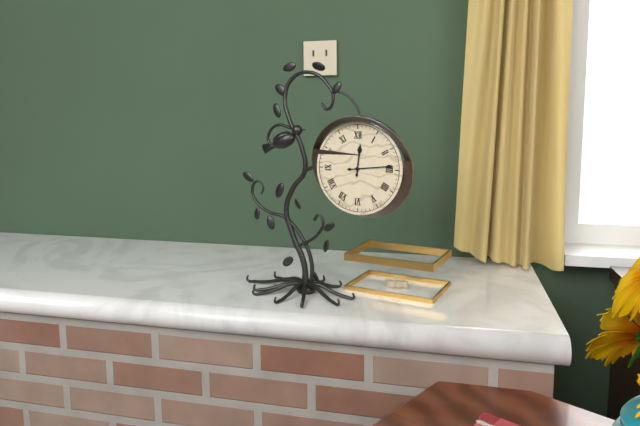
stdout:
{"hour": 12, "minute": 14}
